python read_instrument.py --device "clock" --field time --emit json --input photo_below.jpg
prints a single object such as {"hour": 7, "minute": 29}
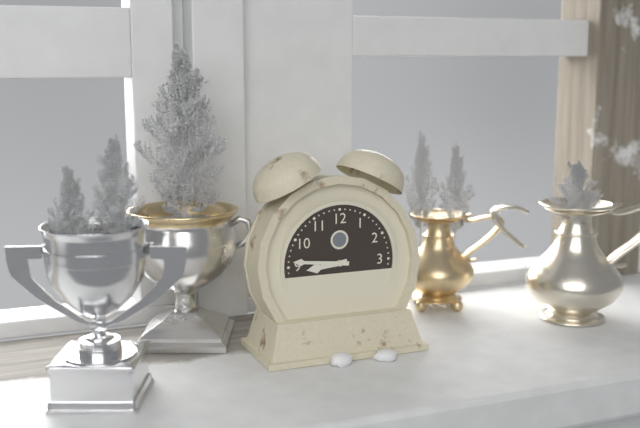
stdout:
{"hour": 8, "minute": 46}
